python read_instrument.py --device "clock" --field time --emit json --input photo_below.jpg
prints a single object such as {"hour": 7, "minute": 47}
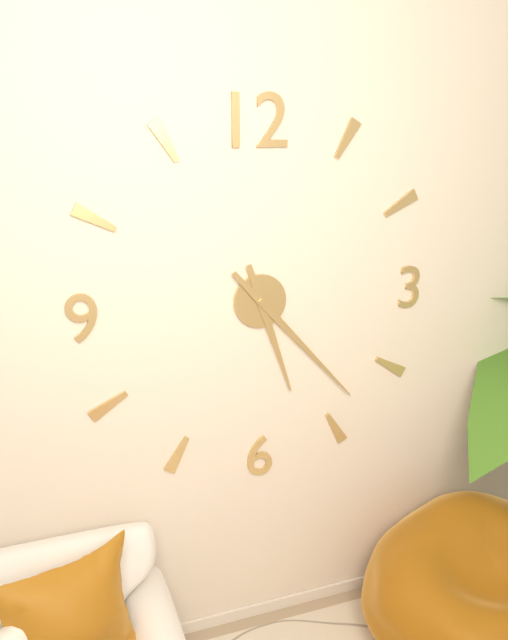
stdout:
{"hour": 5, "minute": 23}
